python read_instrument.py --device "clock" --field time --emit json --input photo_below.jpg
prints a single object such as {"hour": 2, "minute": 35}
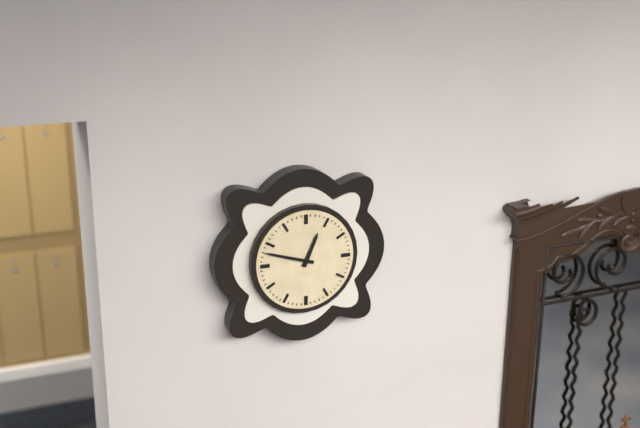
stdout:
{"hour": 12, "minute": 48}
